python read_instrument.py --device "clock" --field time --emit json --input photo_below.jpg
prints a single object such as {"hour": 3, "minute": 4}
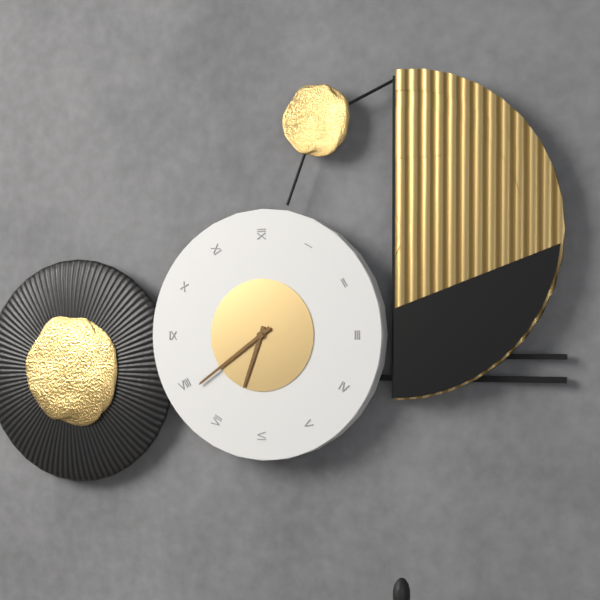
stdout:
{"hour": 6, "minute": 39}
